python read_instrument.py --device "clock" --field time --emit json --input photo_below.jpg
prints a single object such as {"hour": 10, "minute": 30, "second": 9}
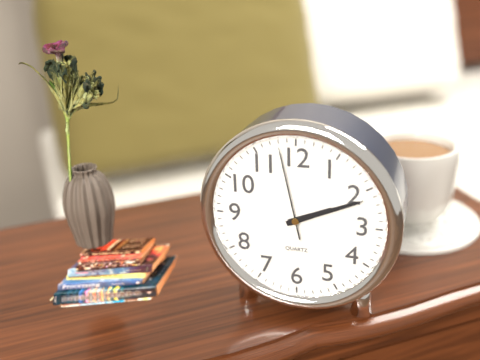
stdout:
{"hour": 2, "minute": 11, "second": 58}
